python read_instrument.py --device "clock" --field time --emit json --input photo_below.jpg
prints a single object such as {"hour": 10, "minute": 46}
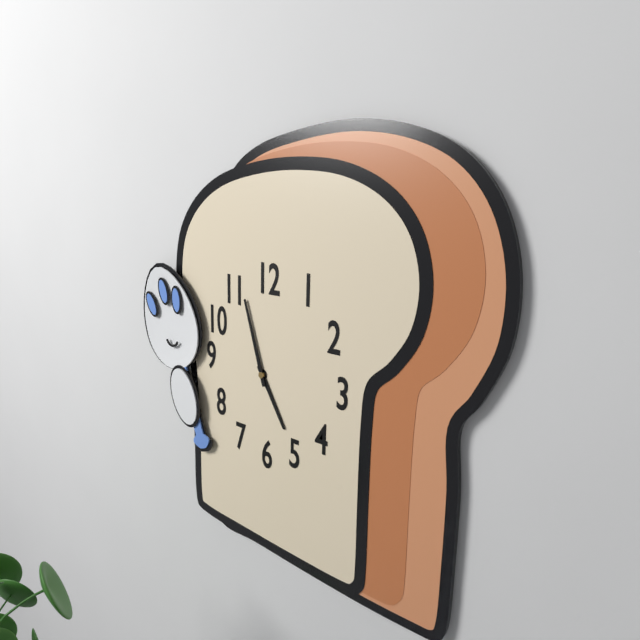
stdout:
{"hour": 4, "minute": 57}
